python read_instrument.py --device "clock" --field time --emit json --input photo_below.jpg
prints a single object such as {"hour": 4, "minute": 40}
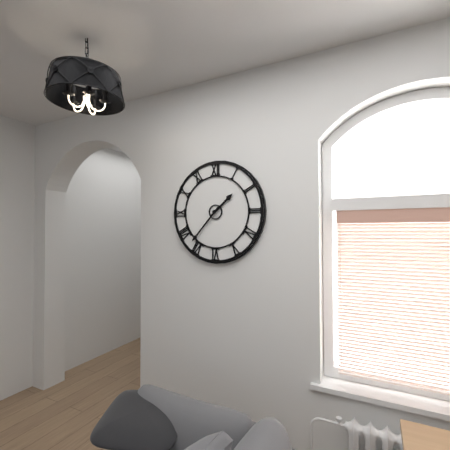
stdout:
{"hour": 1, "minute": 37}
